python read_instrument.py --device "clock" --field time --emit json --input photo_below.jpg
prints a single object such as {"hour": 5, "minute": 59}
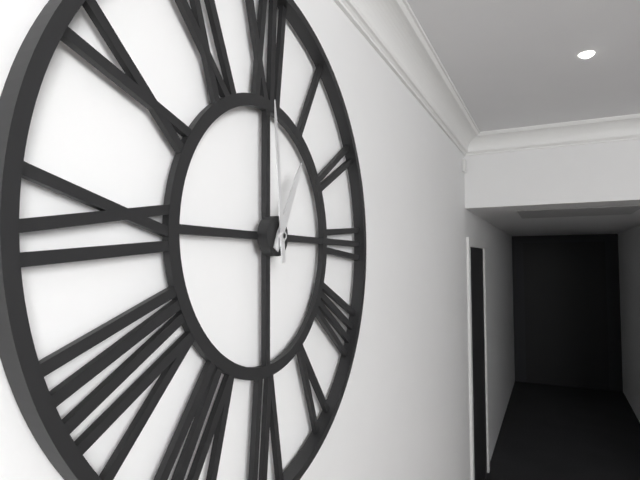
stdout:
{"hour": 12, "minute": 59}
